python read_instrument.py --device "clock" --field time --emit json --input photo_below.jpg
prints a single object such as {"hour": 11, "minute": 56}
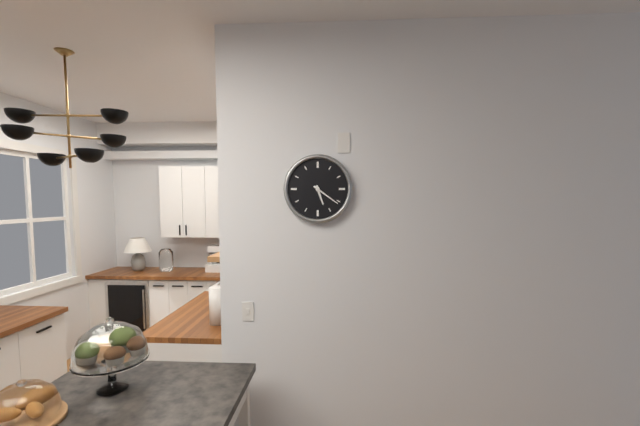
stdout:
{"hour": 5, "minute": 21}
